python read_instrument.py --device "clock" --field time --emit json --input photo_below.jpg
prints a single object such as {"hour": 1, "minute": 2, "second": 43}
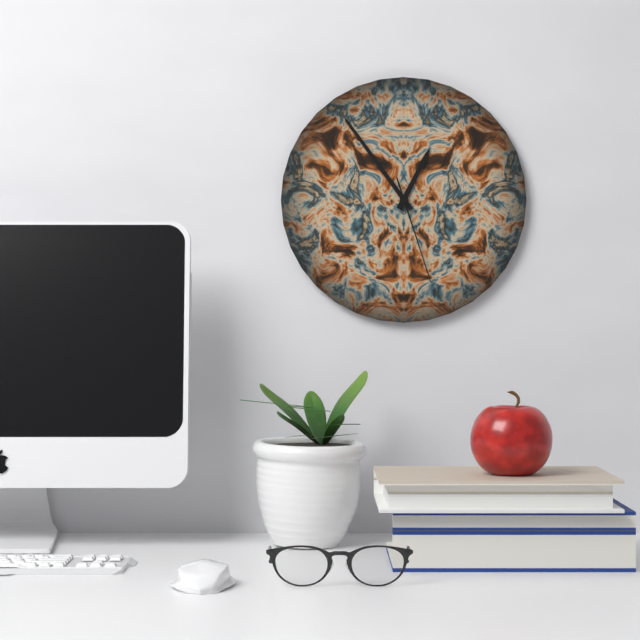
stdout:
{"hour": 12, "minute": 54, "second": 27}
